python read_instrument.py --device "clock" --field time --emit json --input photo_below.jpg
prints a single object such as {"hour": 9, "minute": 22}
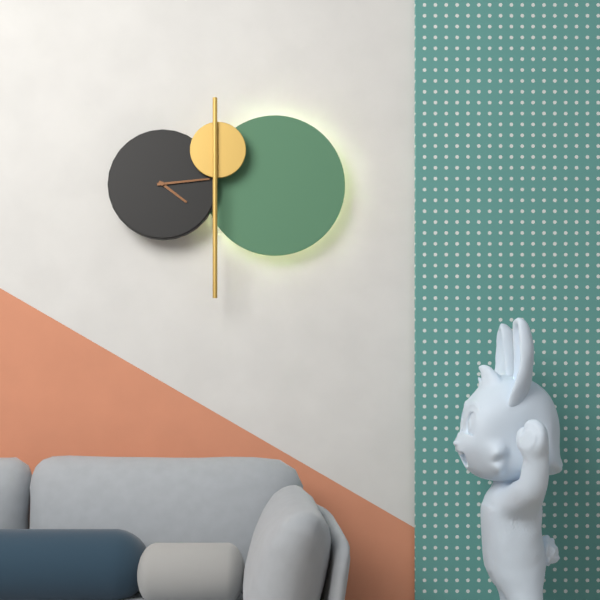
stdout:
{"hour": 4, "minute": 14}
